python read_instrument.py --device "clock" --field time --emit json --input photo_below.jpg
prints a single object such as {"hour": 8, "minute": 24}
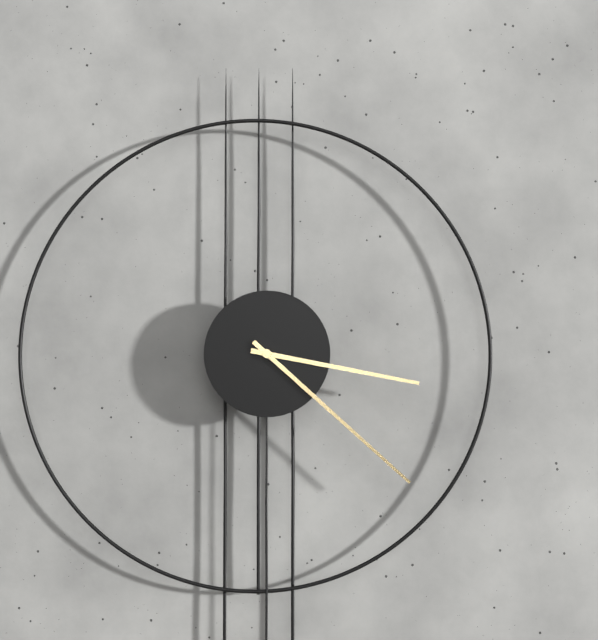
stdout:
{"hour": 3, "minute": 22}
